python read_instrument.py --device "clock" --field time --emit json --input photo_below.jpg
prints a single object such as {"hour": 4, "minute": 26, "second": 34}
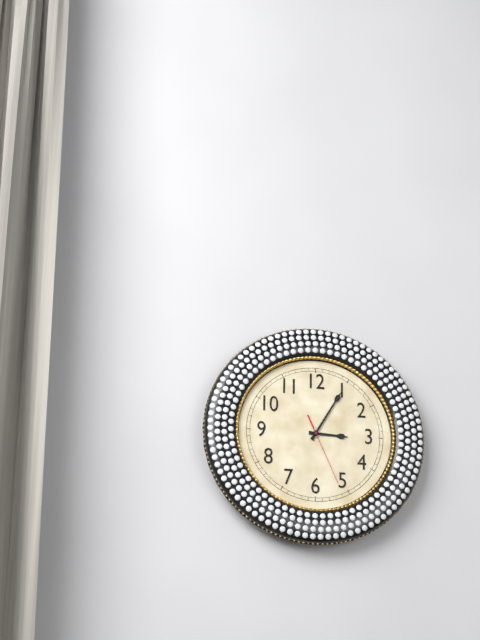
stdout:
{"hour": 3, "minute": 5, "second": 26}
